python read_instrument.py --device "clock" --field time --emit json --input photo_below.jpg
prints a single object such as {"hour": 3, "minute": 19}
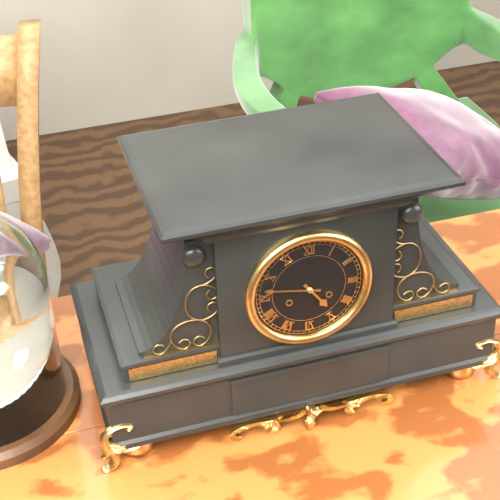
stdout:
{"hour": 4, "minute": 47}
